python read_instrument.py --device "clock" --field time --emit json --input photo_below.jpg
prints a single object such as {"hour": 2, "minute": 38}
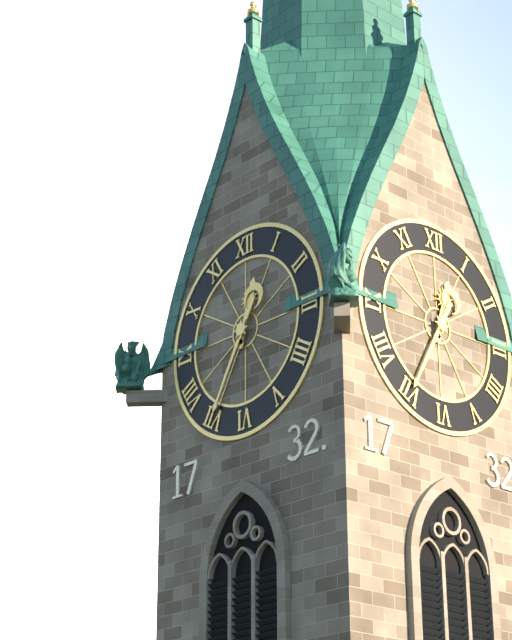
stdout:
{"hour": 12, "minute": 35}
